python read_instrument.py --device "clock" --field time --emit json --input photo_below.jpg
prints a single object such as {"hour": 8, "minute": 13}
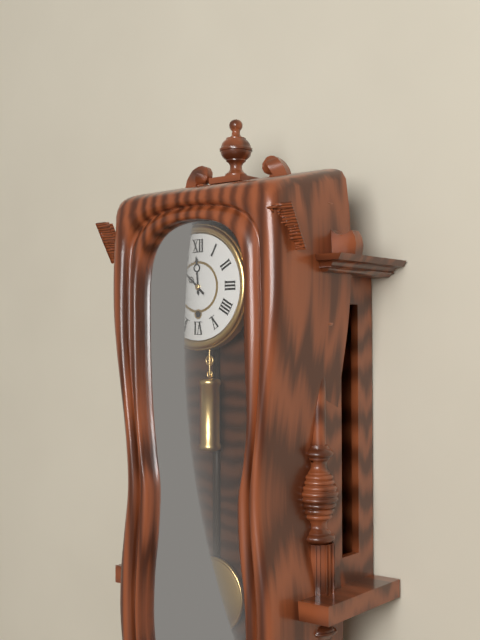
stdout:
{"hour": 11, "minute": 52}
